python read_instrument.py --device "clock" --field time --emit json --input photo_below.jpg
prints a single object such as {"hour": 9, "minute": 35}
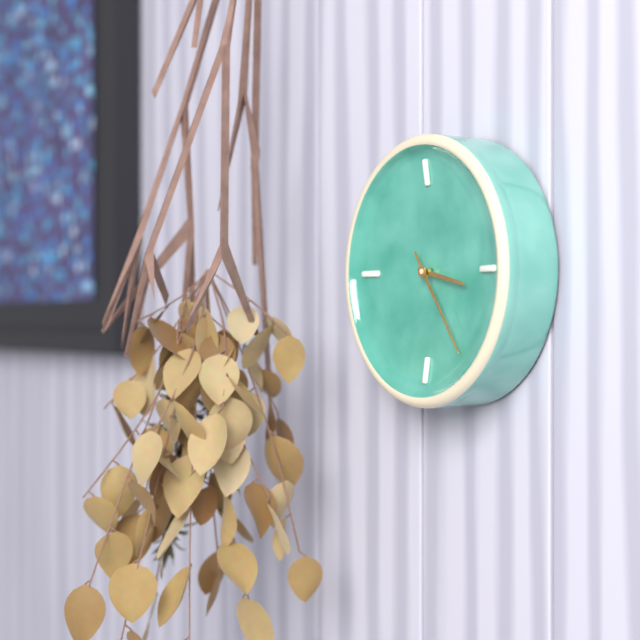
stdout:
{"hour": 3, "minute": 24}
